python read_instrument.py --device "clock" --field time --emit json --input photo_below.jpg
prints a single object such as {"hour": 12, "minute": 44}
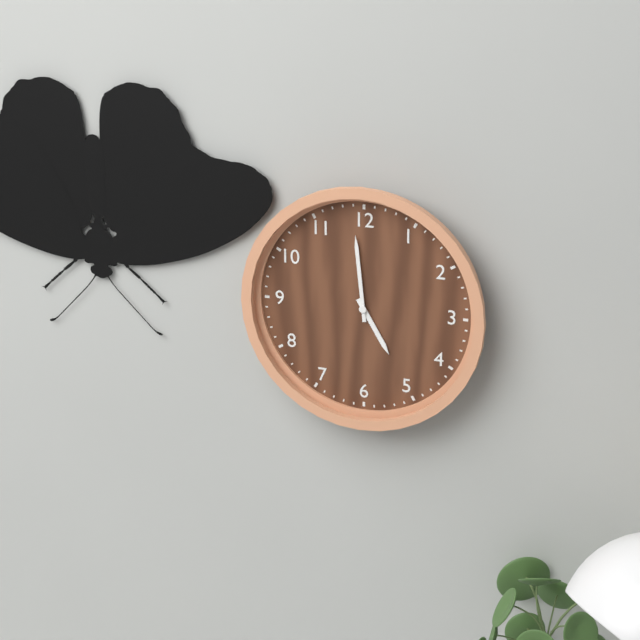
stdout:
{"hour": 4, "minute": 59}
